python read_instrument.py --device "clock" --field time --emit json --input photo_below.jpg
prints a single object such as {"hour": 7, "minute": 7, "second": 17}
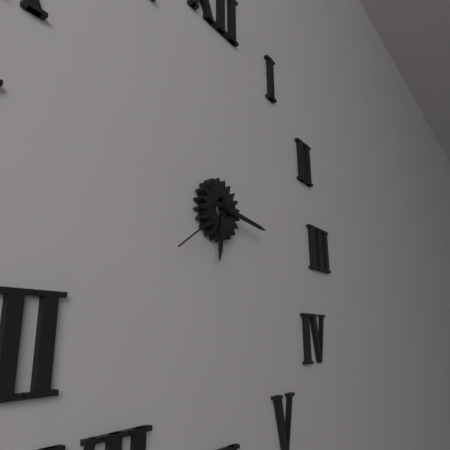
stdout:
{"hour": 6, "minute": 16, "second": 39}
